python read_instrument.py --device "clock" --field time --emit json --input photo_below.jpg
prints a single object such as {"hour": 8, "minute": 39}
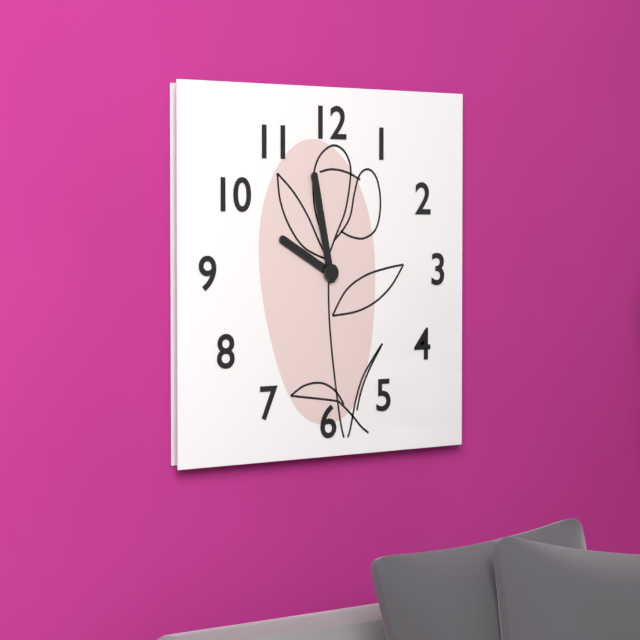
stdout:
{"hour": 9, "minute": 58}
